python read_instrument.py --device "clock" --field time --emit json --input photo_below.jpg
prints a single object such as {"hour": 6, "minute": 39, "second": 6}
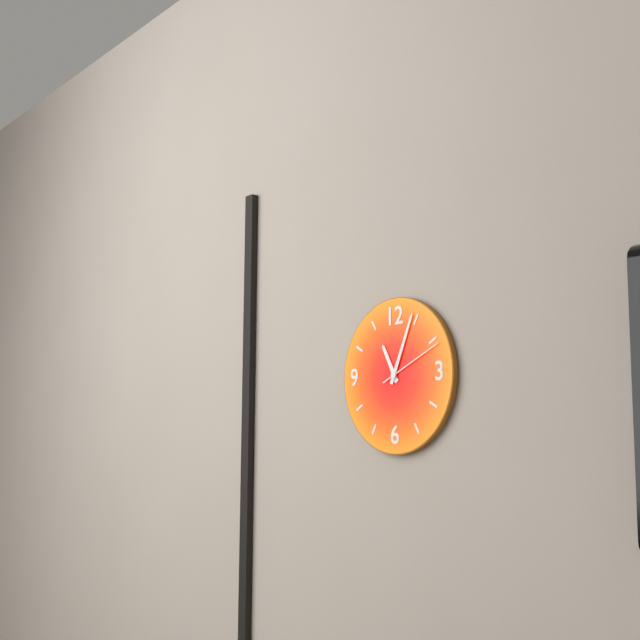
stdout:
{"hour": 11, "minute": 4, "second": 11}
